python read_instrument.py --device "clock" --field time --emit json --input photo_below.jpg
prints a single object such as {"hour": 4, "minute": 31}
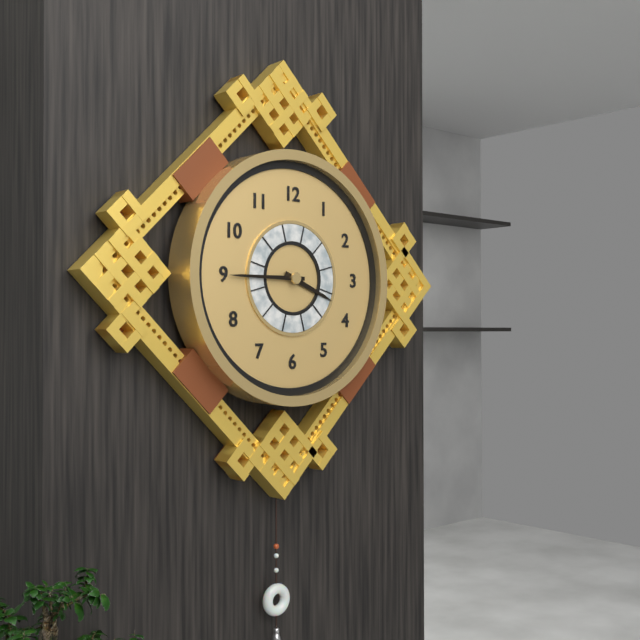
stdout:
{"hour": 3, "minute": 45}
